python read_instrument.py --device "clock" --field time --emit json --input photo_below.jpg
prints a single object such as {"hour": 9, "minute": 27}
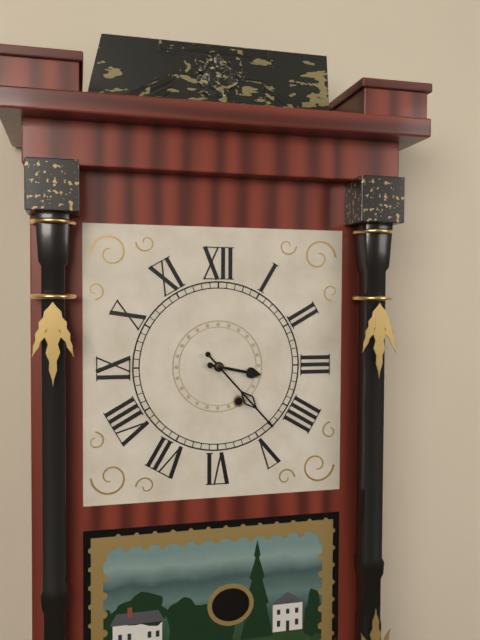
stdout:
{"hour": 3, "minute": 23}
